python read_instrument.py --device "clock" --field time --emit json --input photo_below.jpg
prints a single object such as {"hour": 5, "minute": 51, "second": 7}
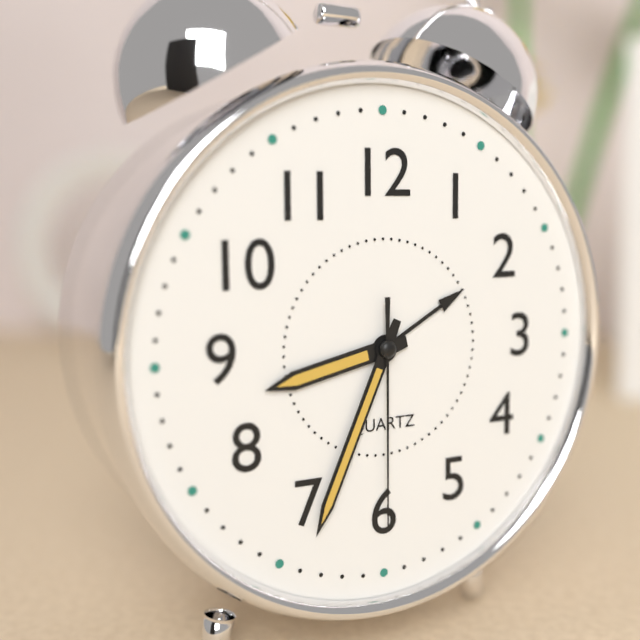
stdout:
{"hour": 8, "minute": 34, "second": 30}
